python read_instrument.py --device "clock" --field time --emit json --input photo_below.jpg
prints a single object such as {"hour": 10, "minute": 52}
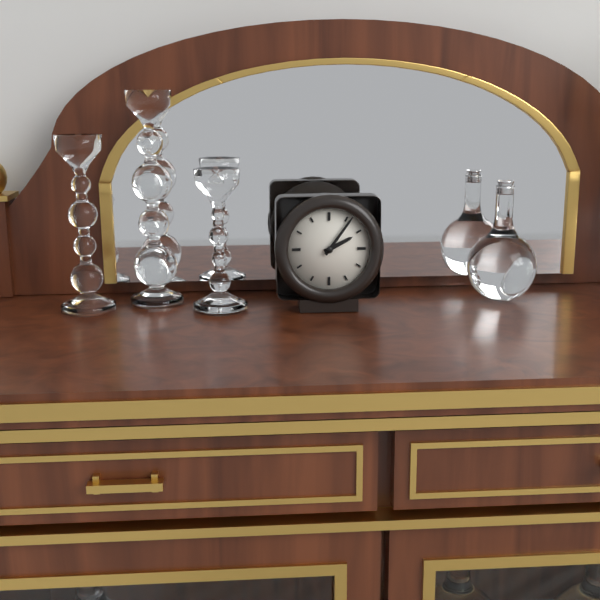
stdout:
{"hour": 2, "minute": 6}
